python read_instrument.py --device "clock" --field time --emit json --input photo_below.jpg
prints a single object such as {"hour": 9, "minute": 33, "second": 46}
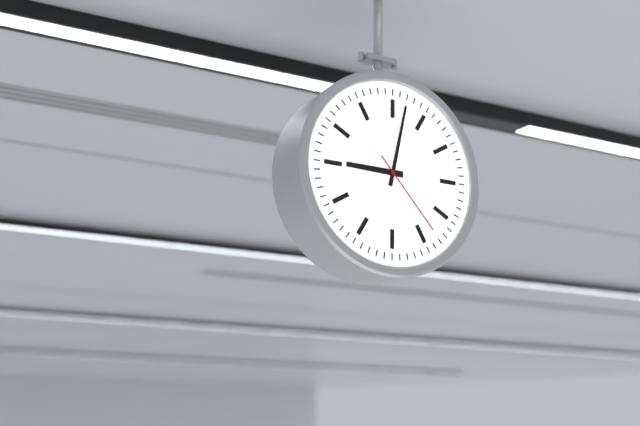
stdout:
{"hour": 9, "minute": 2, "second": 23}
